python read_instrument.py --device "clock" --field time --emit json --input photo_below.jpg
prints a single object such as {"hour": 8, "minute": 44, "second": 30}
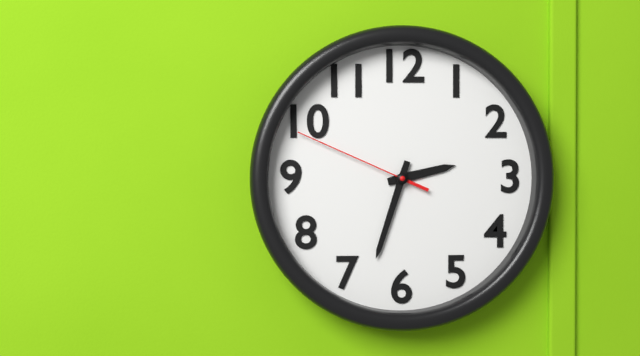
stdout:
{"hour": 2, "minute": 33, "second": 49}
